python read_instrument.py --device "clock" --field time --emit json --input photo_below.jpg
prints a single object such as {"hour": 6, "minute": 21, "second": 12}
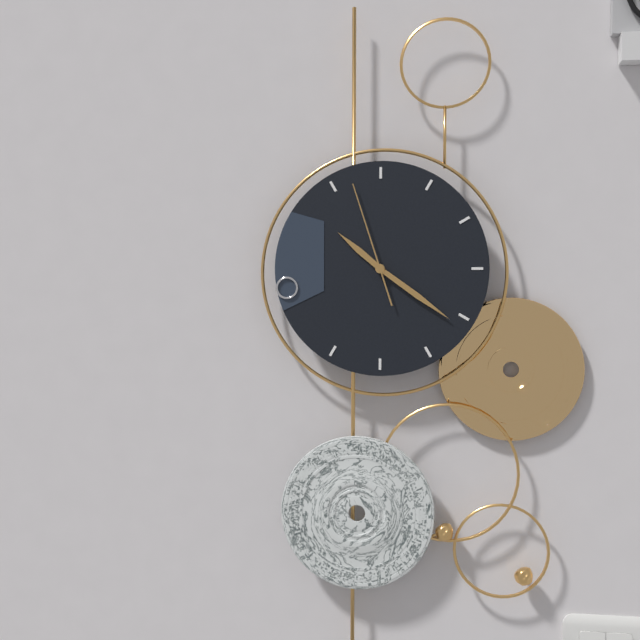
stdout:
{"hour": 10, "minute": 21, "second": 57}
